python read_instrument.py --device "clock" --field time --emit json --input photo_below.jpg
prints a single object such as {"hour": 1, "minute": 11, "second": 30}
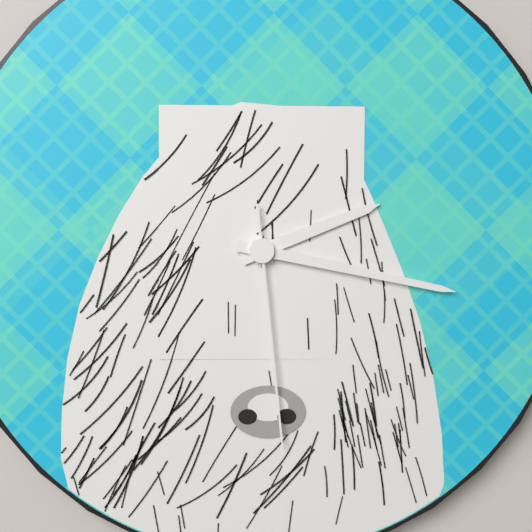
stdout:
{"hour": 2, "minute": 17, "second": 29}
